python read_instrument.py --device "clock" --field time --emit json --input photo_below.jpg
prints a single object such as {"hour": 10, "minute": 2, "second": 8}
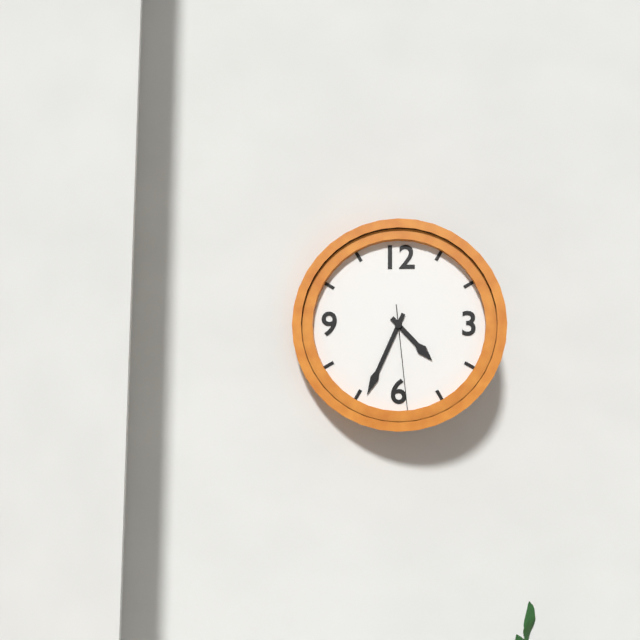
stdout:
{"hour": 4, "minute": 34, "second": 29}
